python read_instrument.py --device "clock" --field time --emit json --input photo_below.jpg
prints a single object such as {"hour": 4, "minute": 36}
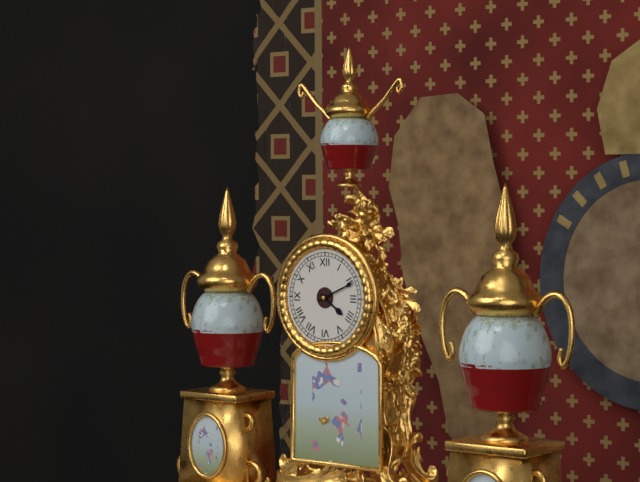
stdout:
{"hour": 4, "minute": 11}
